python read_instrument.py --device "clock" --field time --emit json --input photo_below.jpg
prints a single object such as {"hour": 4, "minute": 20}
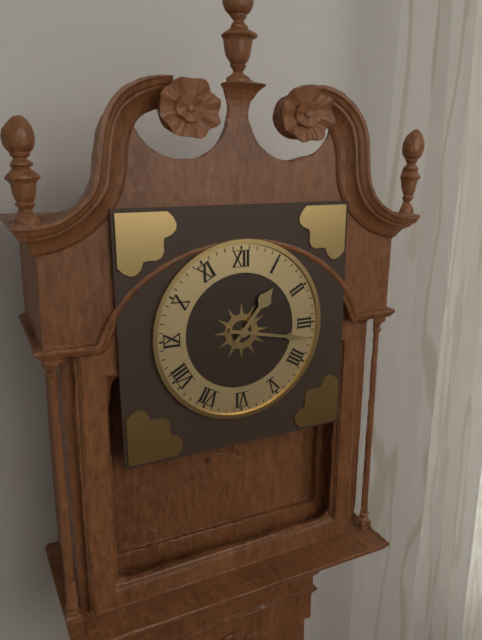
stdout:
{"hour": 1, "minute": 17}
